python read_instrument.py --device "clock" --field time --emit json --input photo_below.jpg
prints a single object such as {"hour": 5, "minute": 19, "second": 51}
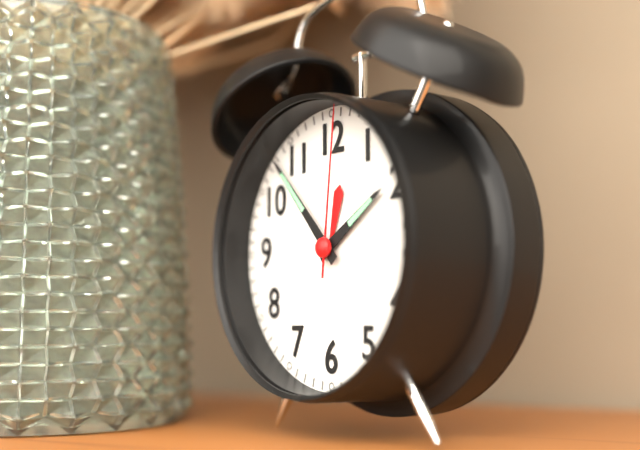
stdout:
{"hour": 1, "minute": 53, "second": 1}
